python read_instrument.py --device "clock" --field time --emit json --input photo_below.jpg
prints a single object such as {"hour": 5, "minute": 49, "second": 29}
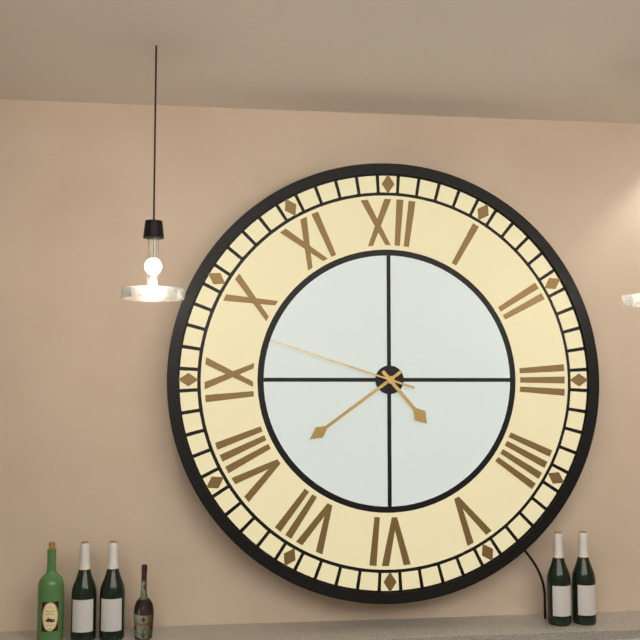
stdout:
{"hour": 4, "minute": 39, "second": 48}
